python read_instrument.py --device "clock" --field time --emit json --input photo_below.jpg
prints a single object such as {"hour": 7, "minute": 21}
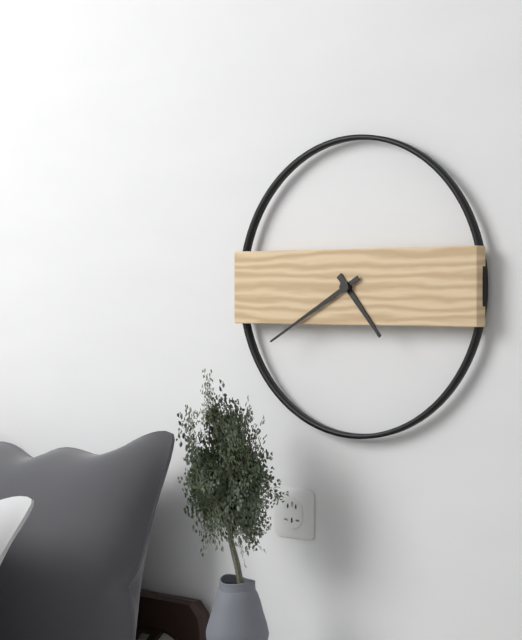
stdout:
{"hour": 4, "minute": 40}
